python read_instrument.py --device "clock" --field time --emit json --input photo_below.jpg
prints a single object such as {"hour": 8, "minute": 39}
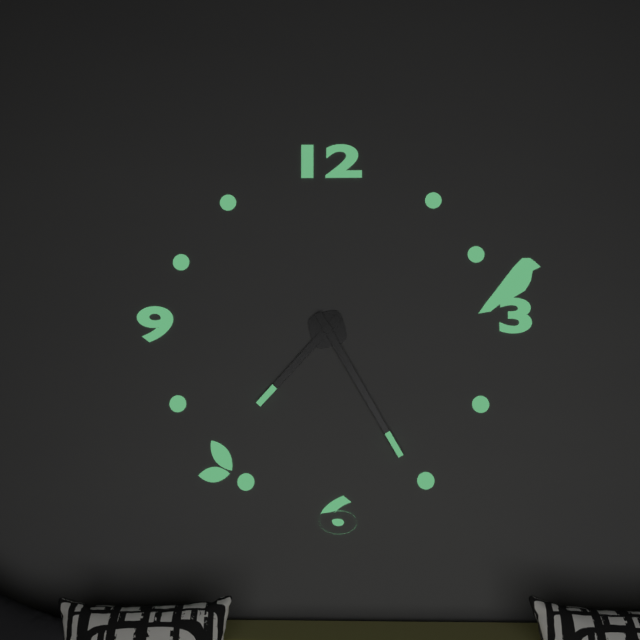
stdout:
{"hour": 7, "minute": 25}
